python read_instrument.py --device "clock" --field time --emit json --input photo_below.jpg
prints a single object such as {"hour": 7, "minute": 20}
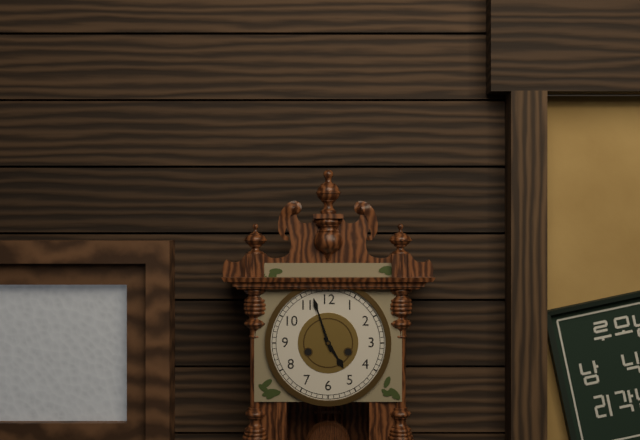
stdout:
{"hour": 4, "minute": 57}
